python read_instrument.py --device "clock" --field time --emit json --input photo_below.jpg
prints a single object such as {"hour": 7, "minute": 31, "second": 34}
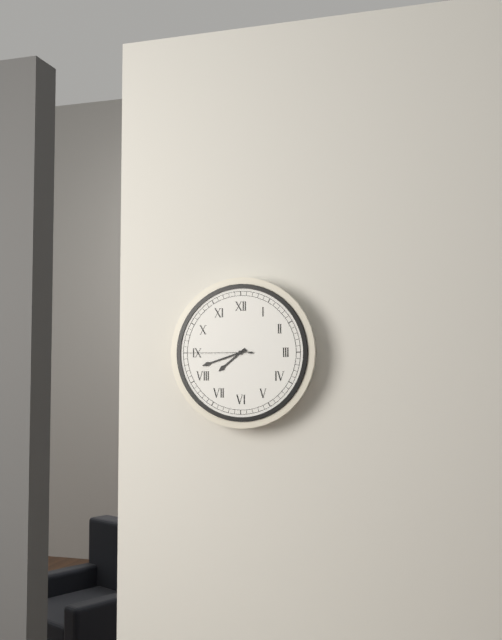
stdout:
{"hour": 7, "minute": 42, "second": 45}
